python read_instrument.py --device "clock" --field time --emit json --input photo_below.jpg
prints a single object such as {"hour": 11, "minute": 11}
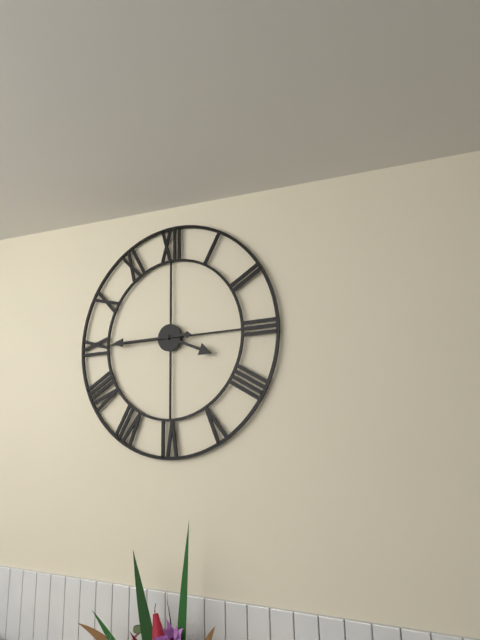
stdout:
{"hour": 3, "minute": 45}
